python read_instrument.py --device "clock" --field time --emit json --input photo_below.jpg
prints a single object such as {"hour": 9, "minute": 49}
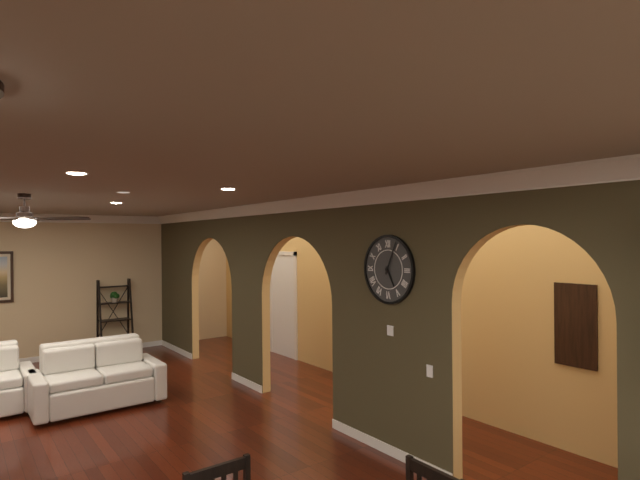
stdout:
{"hour": 5, "minute": 4}
